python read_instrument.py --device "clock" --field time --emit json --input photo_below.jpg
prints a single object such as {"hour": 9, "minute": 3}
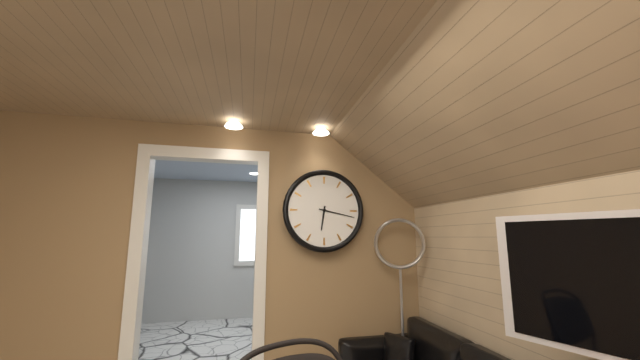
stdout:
{"hour": 6, "minute": 17}
